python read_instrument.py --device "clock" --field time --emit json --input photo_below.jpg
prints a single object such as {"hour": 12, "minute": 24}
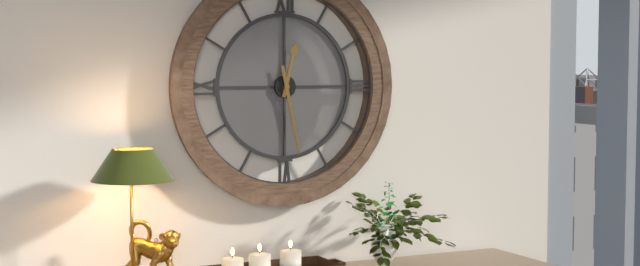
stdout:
{"hour": 12, "minute": 28}
